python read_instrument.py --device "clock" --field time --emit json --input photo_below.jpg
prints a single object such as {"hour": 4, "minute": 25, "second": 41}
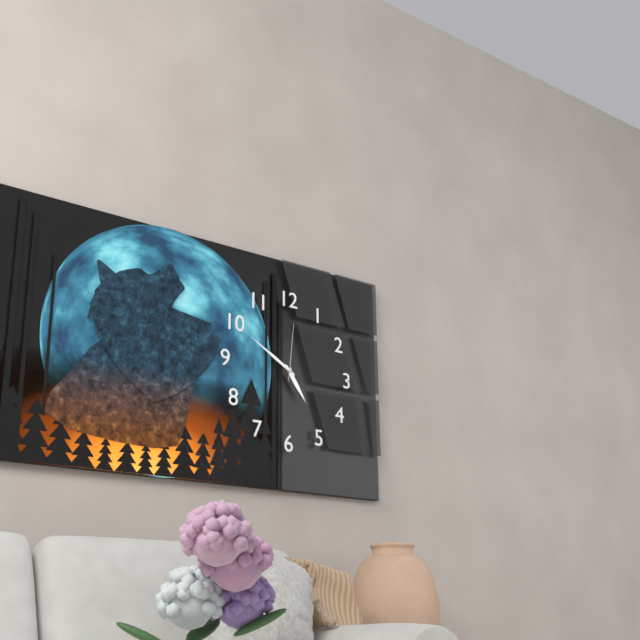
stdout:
{"hour": 4, "minute": 50, "second": 1}
